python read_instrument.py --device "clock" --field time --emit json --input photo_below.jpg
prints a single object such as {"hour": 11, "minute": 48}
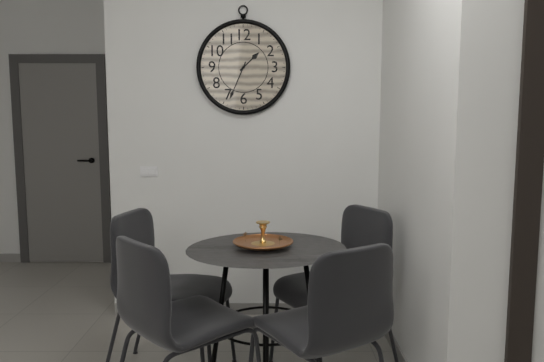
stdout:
{"hour": 1, "minute": 34}
